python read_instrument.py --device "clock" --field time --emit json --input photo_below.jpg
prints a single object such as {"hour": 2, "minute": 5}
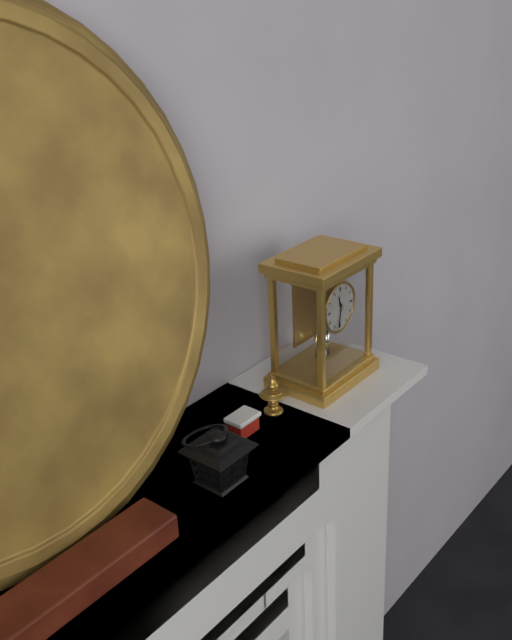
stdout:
{"hour": 11, "minute": 32}
